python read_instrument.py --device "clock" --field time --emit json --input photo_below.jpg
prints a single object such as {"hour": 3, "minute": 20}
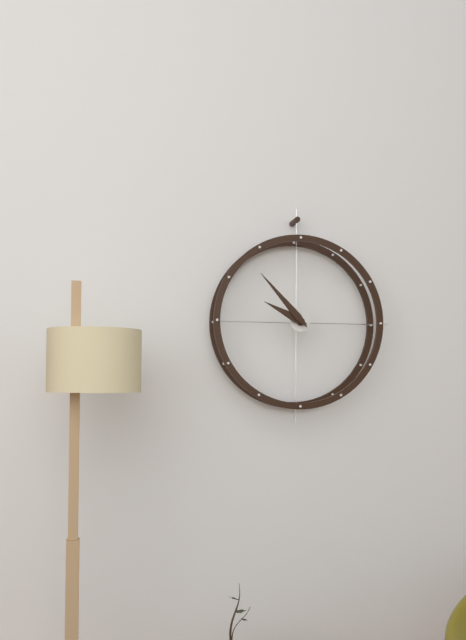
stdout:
{"hour": 9, "minute": 53}
